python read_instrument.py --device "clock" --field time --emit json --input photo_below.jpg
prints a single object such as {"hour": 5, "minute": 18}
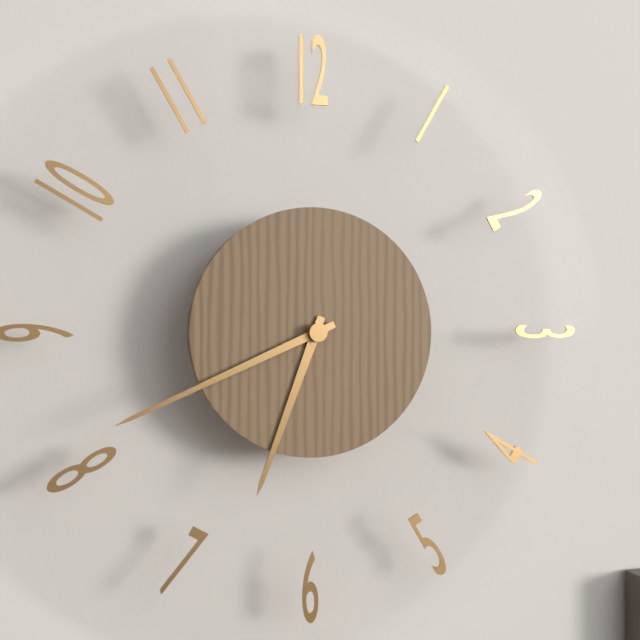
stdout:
{"hour": 6, "minute": 41}
